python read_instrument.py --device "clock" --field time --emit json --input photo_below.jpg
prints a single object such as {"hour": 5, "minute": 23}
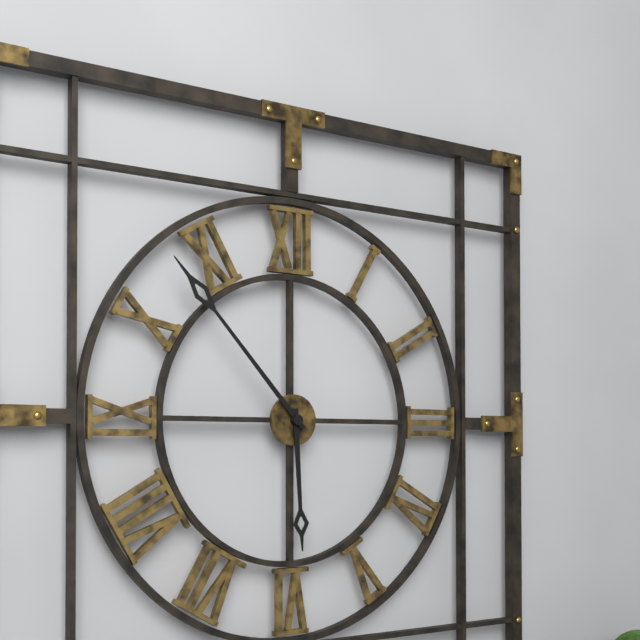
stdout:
{"hour": 5, "minute": 53}
